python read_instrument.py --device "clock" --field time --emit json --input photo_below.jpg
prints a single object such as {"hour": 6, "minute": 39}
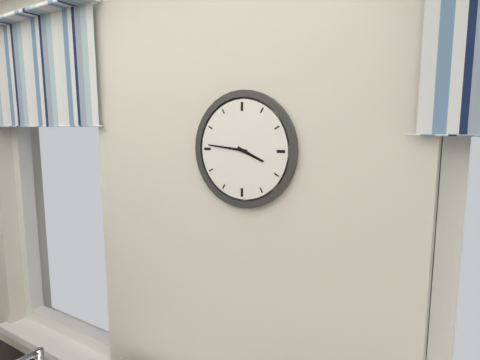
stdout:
{"hour": 3, "minute": 46}
